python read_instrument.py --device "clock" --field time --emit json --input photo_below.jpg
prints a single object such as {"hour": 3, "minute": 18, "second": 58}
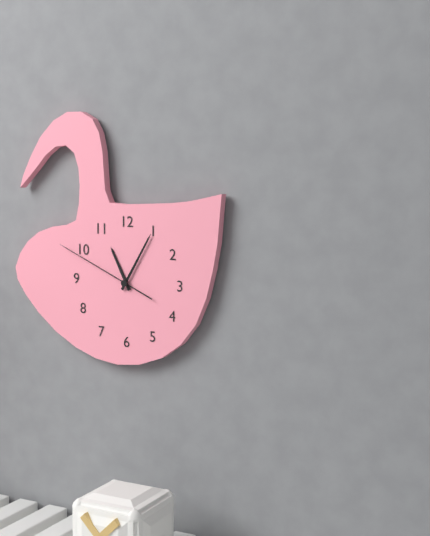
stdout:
{"hour": 11, "minute": 5, "second": 49}
